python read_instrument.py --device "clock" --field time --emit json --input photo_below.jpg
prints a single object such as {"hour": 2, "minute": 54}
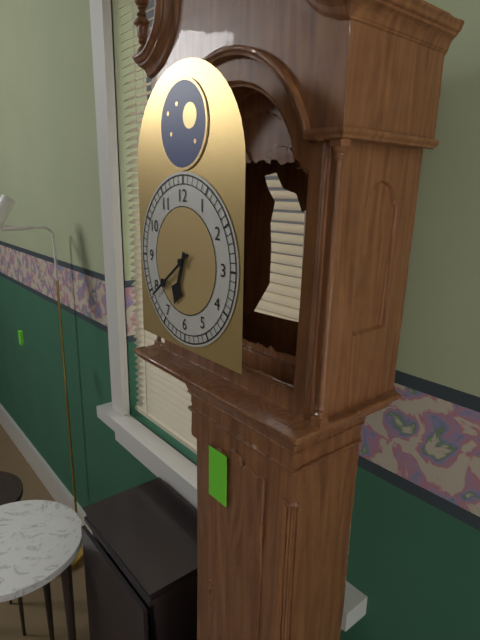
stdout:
{"hour": 6, "minute": 39}
